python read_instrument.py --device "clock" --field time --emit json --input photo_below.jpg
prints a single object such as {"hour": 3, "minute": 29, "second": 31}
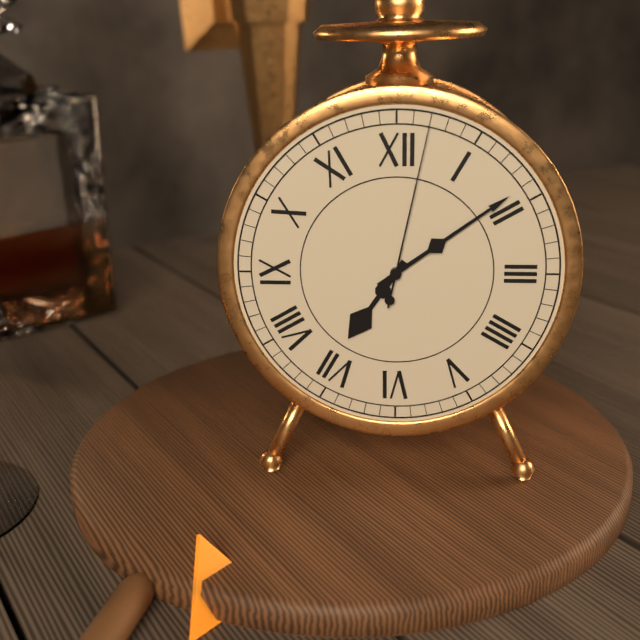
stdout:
{"hour": 7, "minute": 9, "second": 2}
